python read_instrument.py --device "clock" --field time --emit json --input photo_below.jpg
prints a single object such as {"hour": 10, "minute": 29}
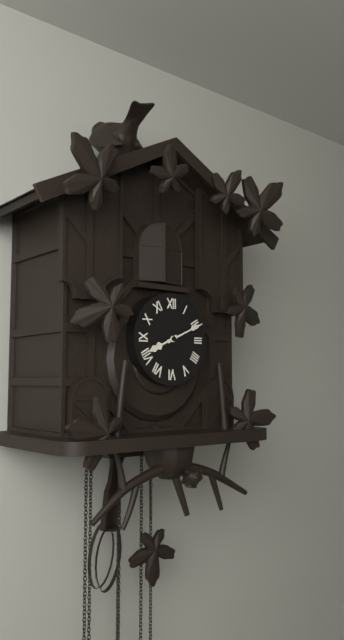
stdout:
{"hour": 8, "minute": 11}
